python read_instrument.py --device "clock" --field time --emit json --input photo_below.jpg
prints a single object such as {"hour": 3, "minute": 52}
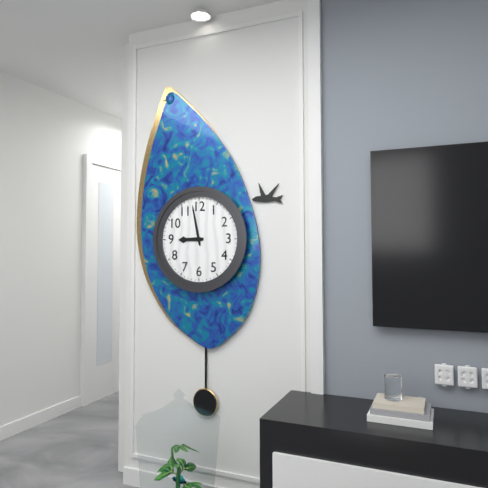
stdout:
{"hour": 8, "minute": 58}
